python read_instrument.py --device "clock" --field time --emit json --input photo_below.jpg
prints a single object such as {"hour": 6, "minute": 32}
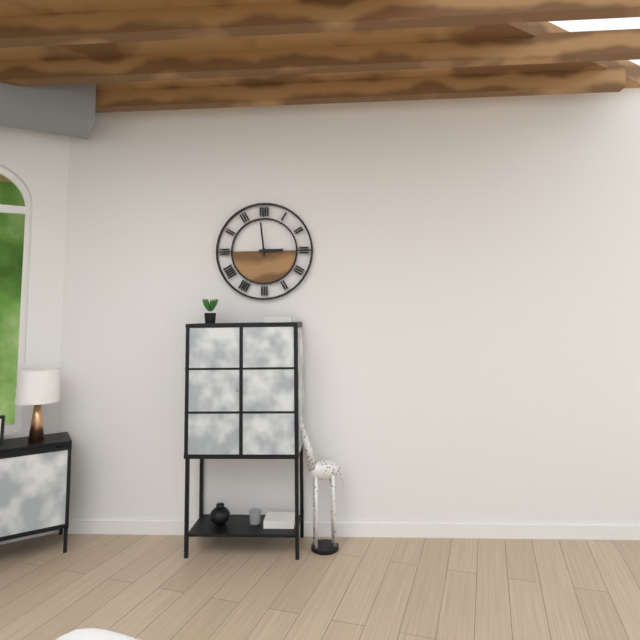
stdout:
{"hour": 2, "minute": 59}
